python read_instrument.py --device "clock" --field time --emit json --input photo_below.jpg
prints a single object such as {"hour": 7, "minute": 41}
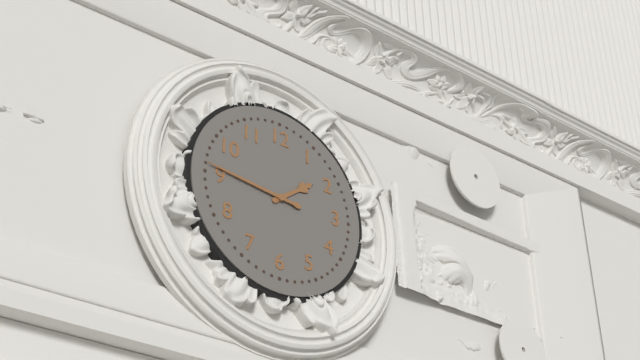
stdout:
{"hour": 1, "minute": 46}
